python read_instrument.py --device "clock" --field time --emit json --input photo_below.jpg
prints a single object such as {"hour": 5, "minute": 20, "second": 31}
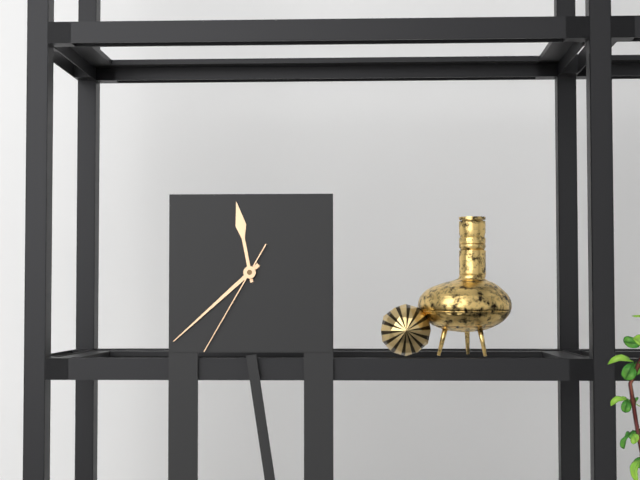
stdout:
{"hour": 11, "minute": 38, "second": 35}
